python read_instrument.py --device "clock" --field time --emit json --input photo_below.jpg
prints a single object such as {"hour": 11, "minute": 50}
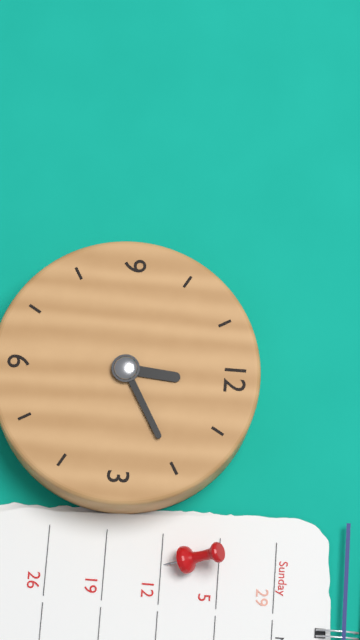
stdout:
{"hour": 12, "minute": 10}
